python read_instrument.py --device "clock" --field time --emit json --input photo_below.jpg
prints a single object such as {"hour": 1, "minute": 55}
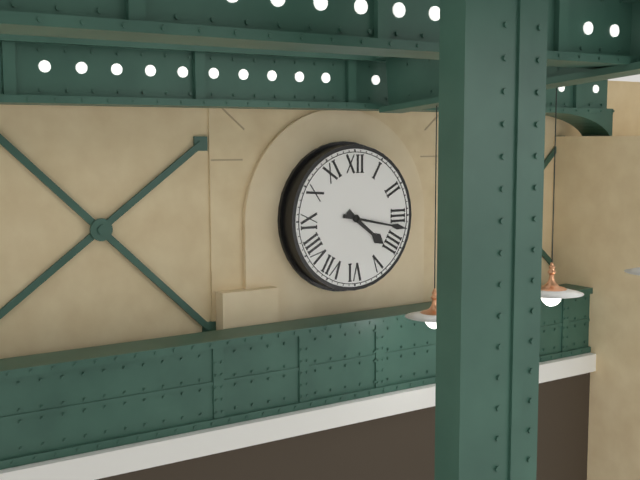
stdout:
{"hour": 4, "minute": 17}
